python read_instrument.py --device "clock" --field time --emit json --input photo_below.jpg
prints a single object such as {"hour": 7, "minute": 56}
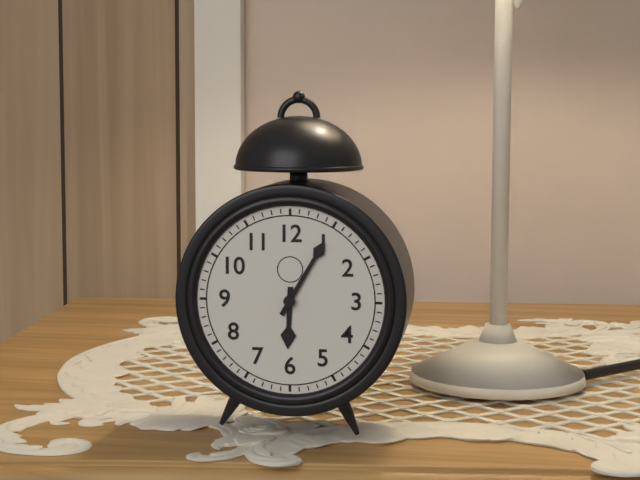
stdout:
{"hour": 6, "minute": 5}
